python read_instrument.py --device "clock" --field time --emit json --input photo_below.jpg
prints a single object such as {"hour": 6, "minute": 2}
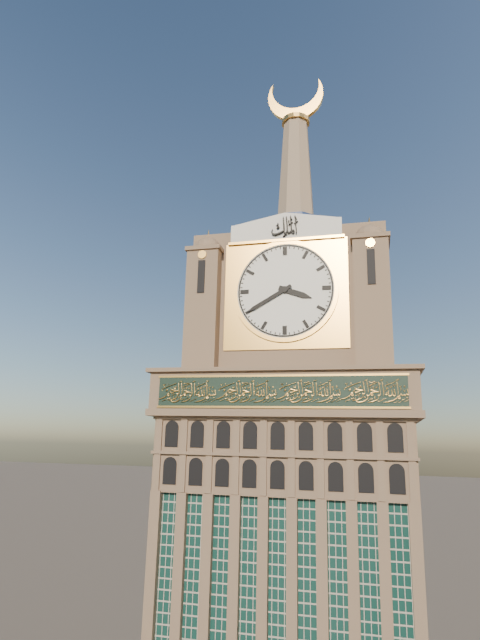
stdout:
{"hour": 3, "minute": 40}
